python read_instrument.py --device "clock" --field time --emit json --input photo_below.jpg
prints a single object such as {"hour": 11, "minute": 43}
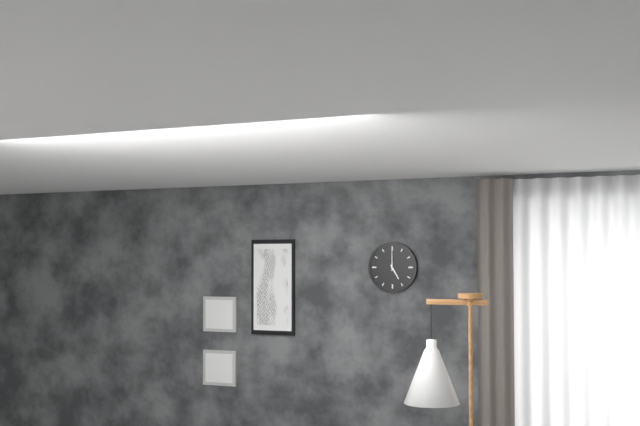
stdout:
{"hour": 5, "minute": 0}
